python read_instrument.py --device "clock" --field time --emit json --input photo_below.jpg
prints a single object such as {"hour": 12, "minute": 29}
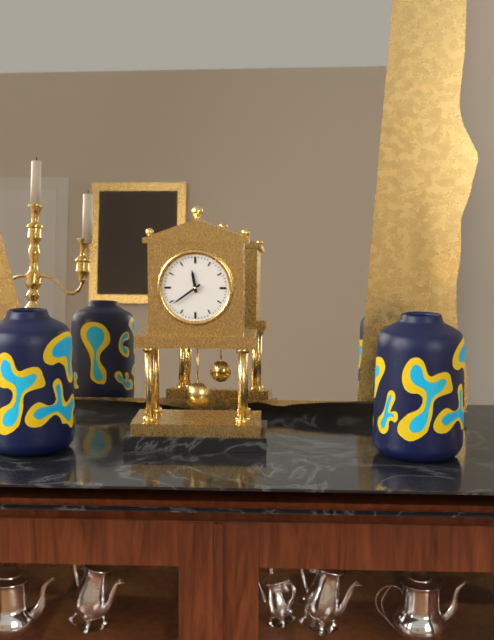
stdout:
{"hour": 11, "minute": 39}
